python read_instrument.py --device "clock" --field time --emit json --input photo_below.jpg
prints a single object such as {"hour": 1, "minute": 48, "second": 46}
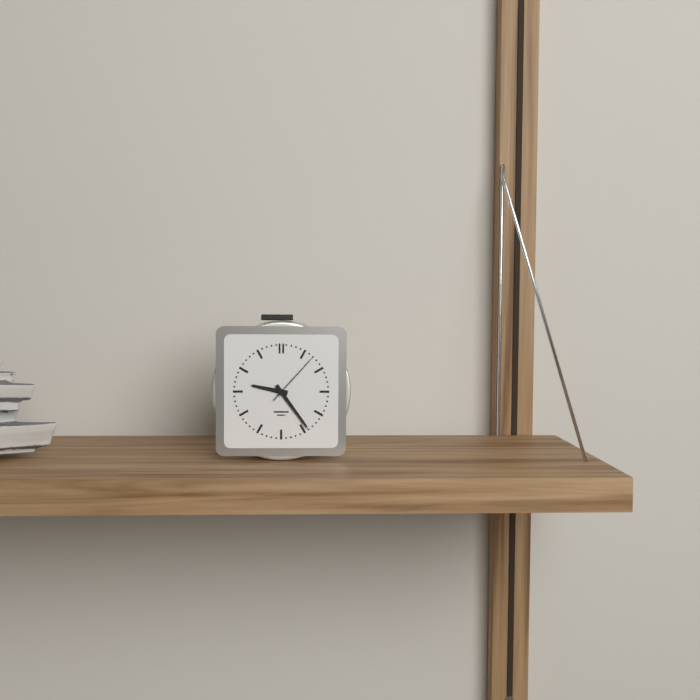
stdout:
{"hour": 9, "minute": 24, "second": 7}
